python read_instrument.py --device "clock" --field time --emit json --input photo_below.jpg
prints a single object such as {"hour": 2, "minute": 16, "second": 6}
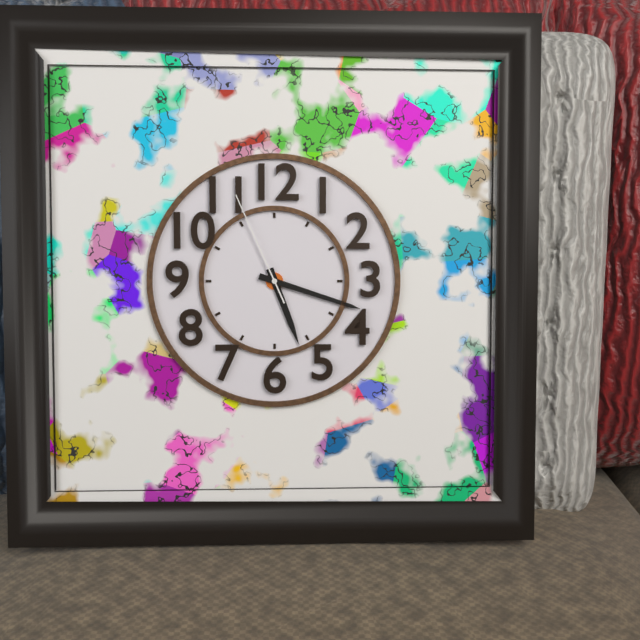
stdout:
{"hour": 5, "minute": 18, "second": 56}
